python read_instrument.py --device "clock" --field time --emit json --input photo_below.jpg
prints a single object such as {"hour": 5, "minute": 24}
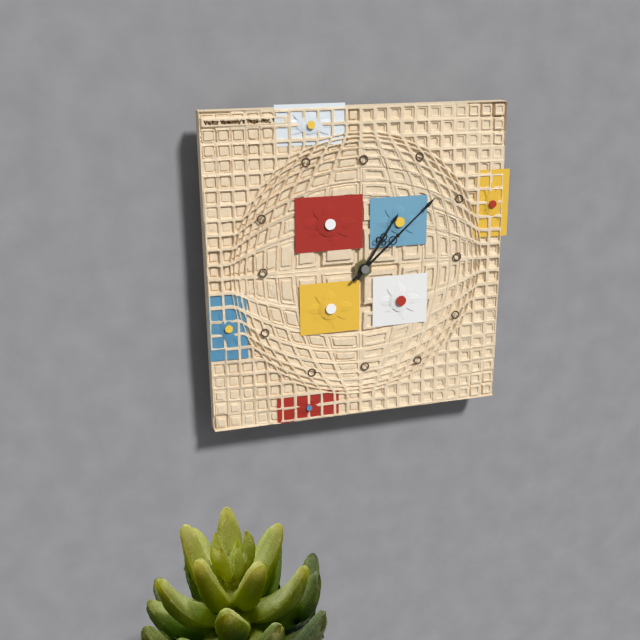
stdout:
{"hour": 1, "minute": 8}
